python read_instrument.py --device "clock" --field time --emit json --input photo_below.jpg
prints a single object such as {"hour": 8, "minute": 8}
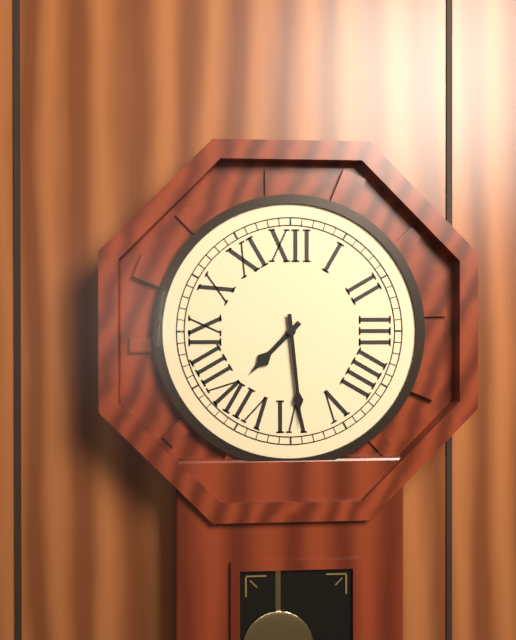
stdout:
{"hour": 7, "minute": 29}
